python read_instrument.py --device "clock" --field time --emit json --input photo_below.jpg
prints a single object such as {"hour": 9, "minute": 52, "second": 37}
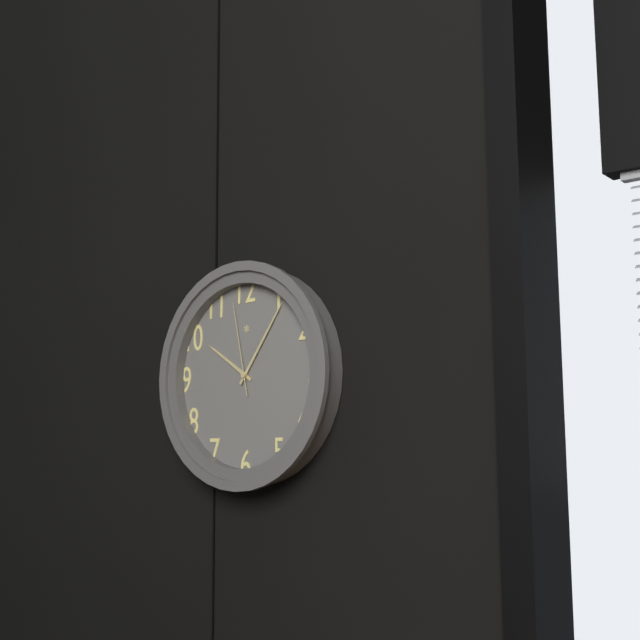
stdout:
{"hour": 10, "minute": 6, "second": 58}
